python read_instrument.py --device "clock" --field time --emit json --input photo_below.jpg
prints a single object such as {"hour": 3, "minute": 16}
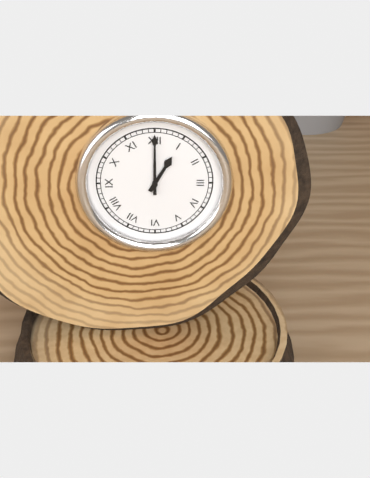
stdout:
{"hour": 1, "minute": 0}
